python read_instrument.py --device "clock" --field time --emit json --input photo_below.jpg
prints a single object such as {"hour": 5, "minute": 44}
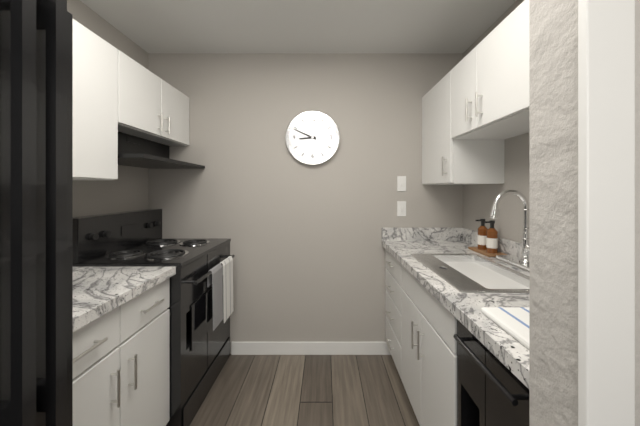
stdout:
{"hour": 8, "minute": 49}
